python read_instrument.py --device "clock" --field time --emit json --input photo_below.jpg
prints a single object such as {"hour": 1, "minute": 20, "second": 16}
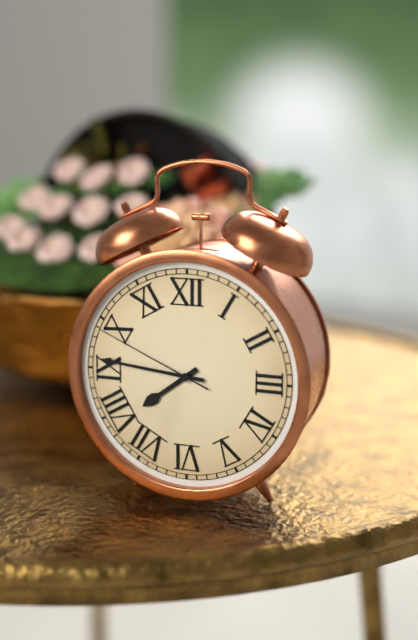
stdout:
{"hour": 7, "minute": 46, "second": 49}
